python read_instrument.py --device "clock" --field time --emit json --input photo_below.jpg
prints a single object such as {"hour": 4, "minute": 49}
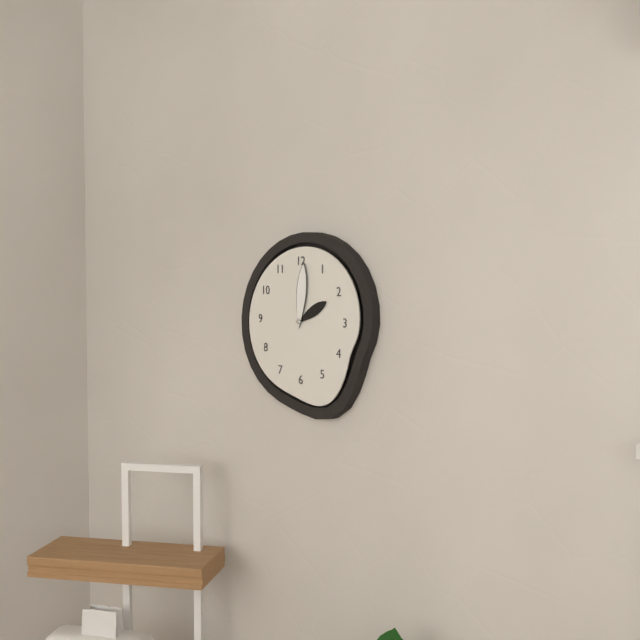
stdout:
{"hour": 2, "minute": 1}
